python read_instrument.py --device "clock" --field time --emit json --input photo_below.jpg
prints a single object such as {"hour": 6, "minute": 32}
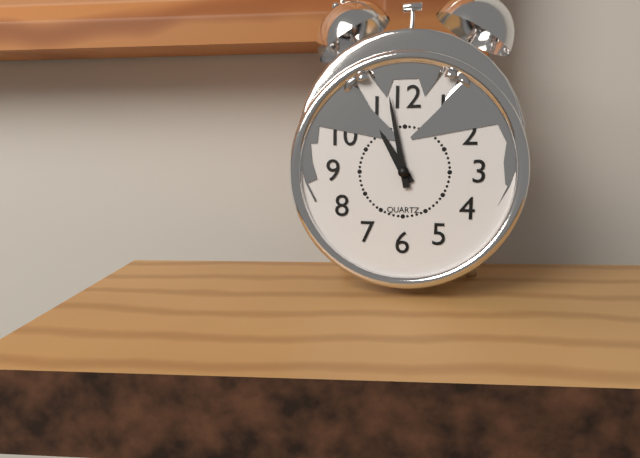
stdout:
{"hour": 10, "minute": 58}
